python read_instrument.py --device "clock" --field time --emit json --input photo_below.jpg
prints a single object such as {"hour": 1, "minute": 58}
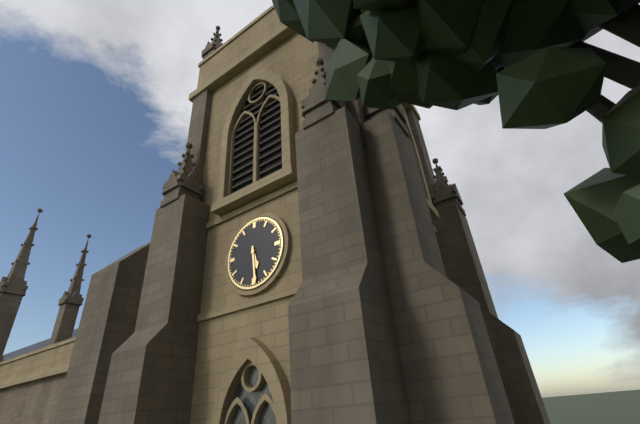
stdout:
{"hour": 5, "minute": 29}
